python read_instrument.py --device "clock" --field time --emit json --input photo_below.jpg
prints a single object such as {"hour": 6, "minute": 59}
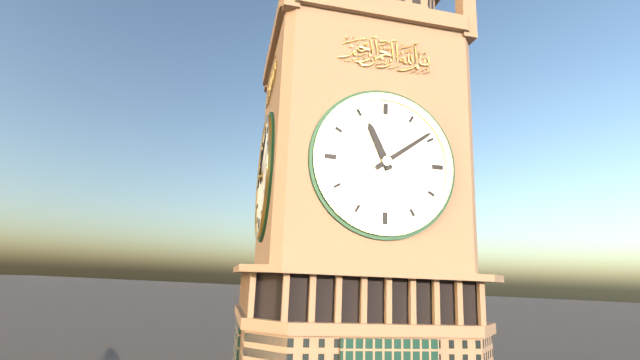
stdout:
{"hour": 11, "minute": 9}
